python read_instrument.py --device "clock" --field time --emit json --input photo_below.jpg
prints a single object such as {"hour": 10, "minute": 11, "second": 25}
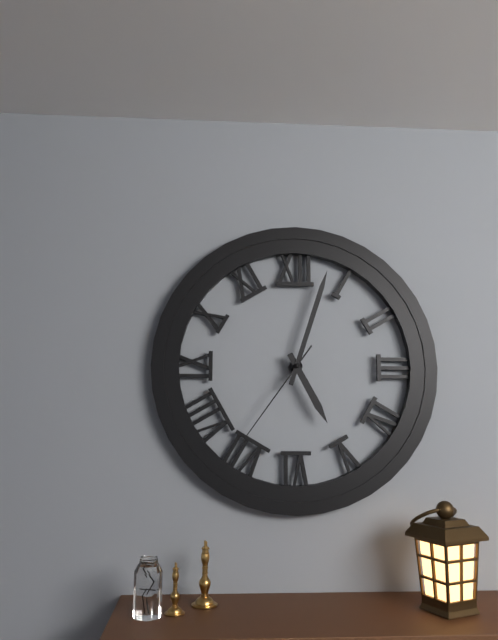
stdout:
{"hour": 5, "minute": 3, "second": 36}
